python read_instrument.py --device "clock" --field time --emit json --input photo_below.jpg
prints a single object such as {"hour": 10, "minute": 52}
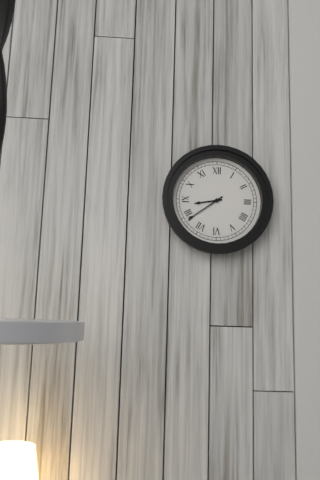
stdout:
{"hour": 8, "minute": 39}
